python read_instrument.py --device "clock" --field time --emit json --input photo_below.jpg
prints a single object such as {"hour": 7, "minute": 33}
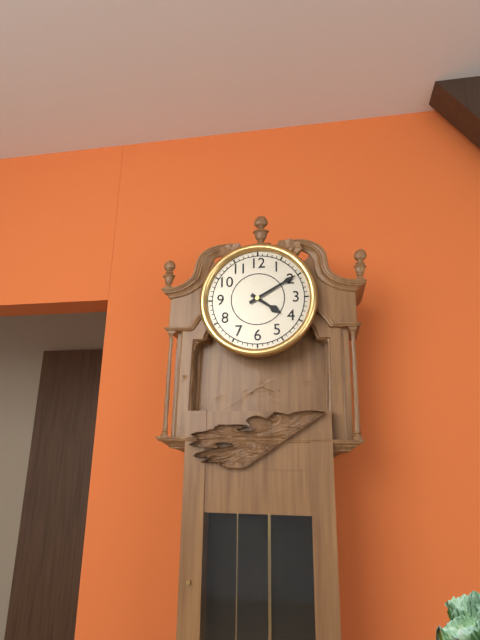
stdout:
{"hour": 4, "minute": 10}
